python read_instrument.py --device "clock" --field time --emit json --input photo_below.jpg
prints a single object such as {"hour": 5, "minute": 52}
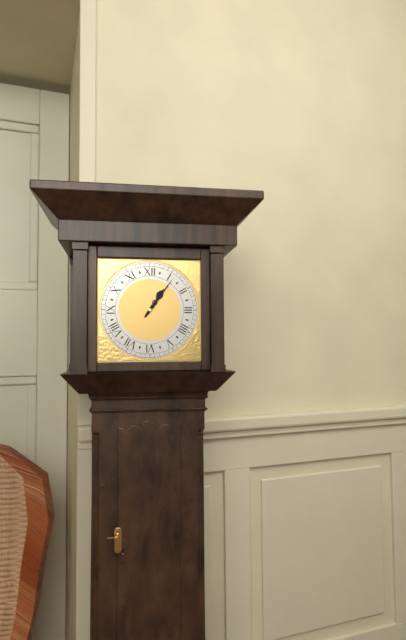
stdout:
{"hour": 1, "minute": 6}
